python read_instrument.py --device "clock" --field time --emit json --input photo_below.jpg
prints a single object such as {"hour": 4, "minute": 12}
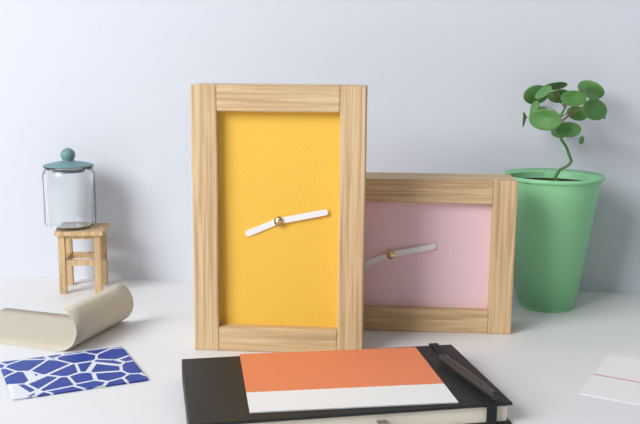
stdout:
{"hour": 8, "minute": 13}
